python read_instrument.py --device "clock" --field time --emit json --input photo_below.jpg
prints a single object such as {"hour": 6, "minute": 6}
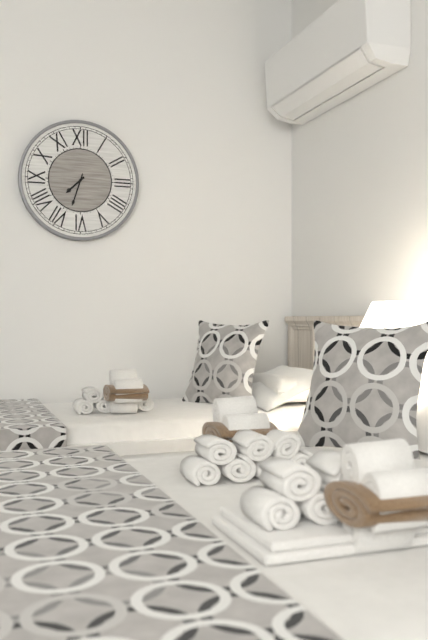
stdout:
{"hour": 7, "minute": 33}
